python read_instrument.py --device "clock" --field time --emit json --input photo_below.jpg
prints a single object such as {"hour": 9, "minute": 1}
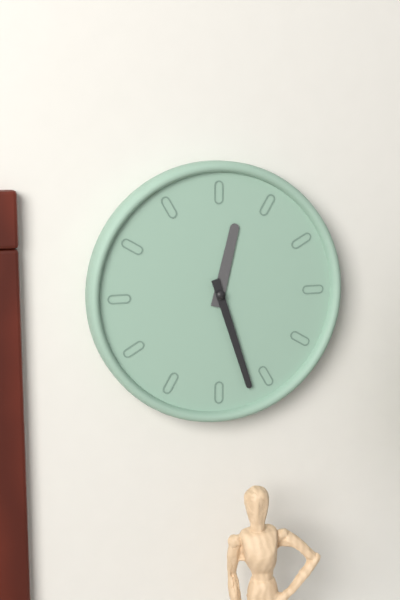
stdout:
{"hour": 12, "minute": 27}
